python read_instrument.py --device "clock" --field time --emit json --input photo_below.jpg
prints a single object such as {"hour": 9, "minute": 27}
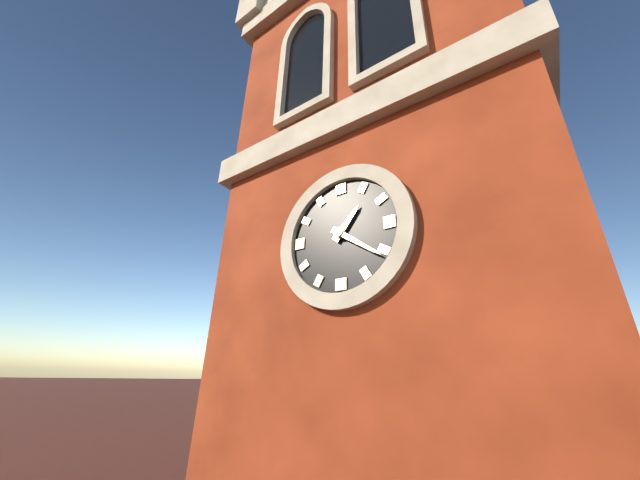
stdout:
{"hour": 1, "minute": 21}
